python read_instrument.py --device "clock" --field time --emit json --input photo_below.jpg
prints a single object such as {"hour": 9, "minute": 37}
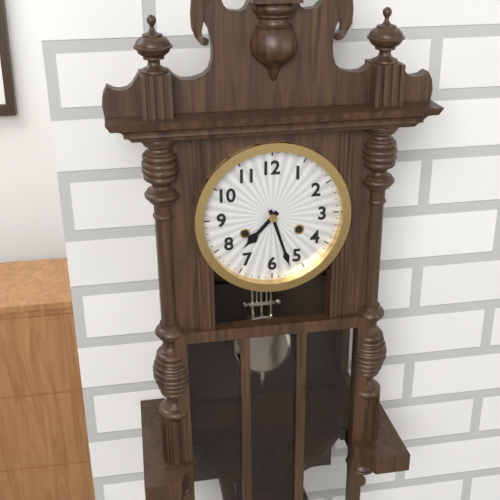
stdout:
{"hour": 7, "minute": 27}
